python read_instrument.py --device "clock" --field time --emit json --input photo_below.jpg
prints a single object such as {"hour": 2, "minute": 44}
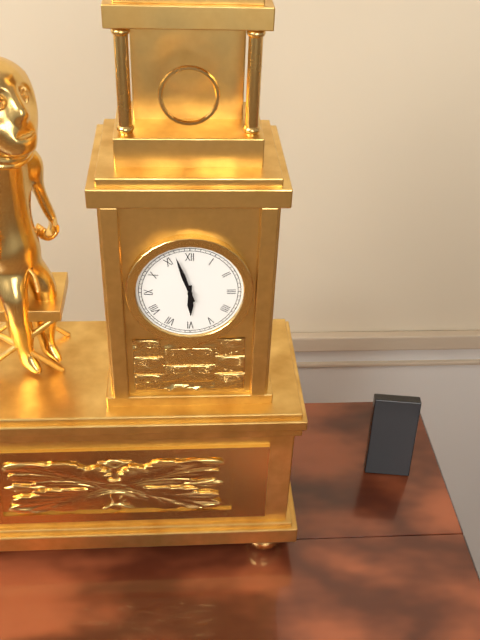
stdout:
{"hour": 5, "minute": 57}
